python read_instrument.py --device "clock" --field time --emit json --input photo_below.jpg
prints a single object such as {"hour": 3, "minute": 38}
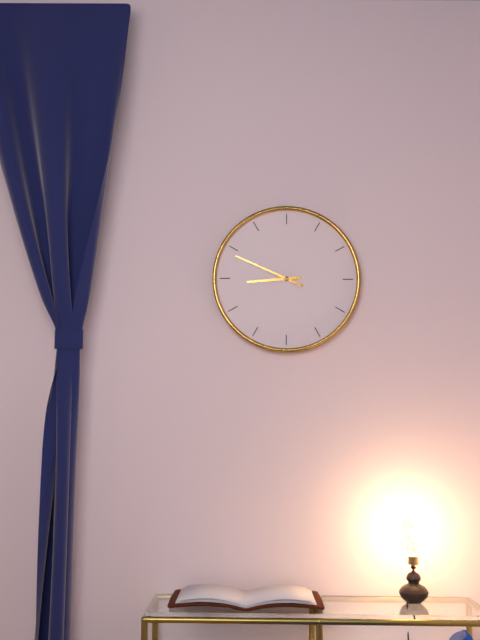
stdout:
{"hour": 8, "minute": 49}
